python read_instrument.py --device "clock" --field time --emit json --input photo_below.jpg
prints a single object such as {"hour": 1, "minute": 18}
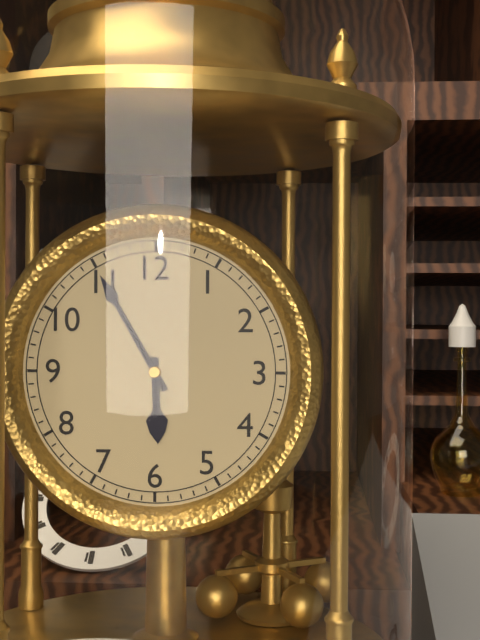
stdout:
{"hour": 5, "minute": 55}
